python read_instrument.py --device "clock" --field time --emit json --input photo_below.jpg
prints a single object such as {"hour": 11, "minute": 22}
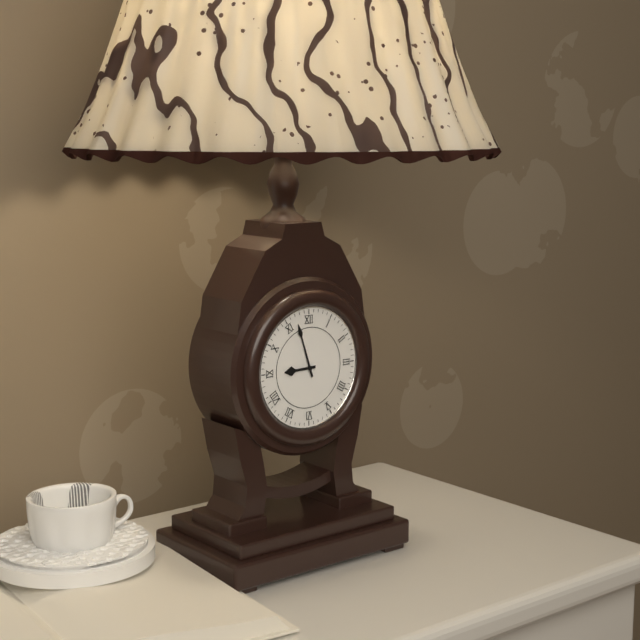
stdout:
{"hour": 8, "minute": 57}
